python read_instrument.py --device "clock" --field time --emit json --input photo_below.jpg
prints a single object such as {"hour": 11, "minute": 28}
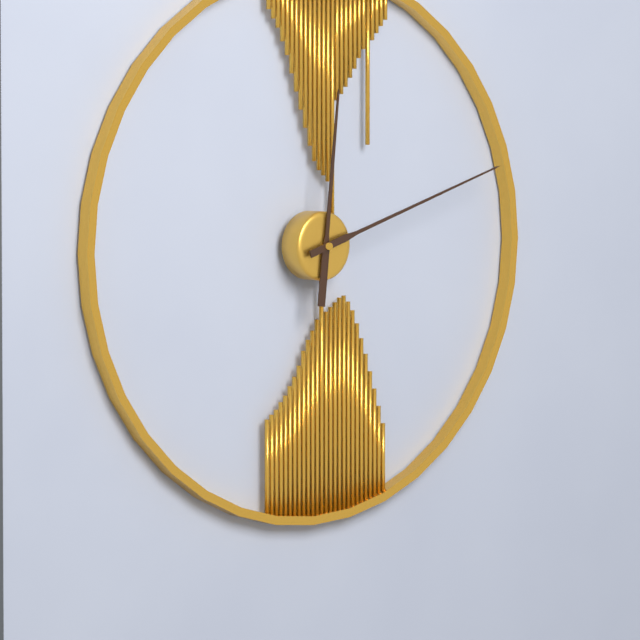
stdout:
{"hour": 12, "minute": 12}
